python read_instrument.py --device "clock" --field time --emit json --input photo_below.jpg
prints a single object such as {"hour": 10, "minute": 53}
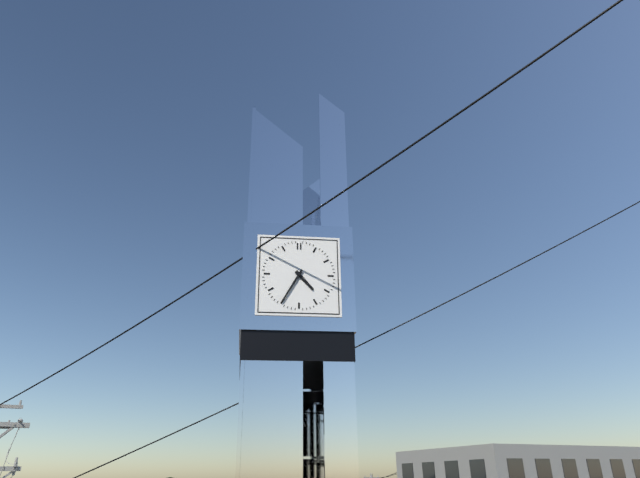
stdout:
{"hour": 4, "minute": 35}
